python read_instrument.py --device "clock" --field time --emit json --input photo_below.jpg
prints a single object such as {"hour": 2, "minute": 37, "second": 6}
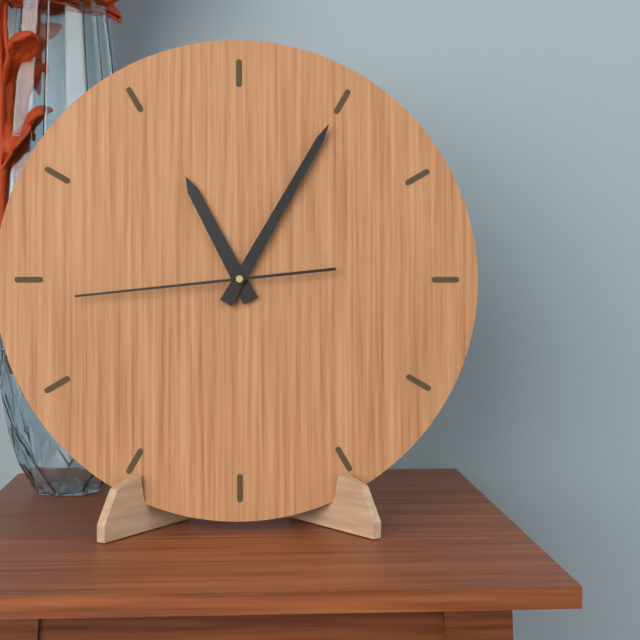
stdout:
{"hour": 11, "minute": 5, "second": 44}
